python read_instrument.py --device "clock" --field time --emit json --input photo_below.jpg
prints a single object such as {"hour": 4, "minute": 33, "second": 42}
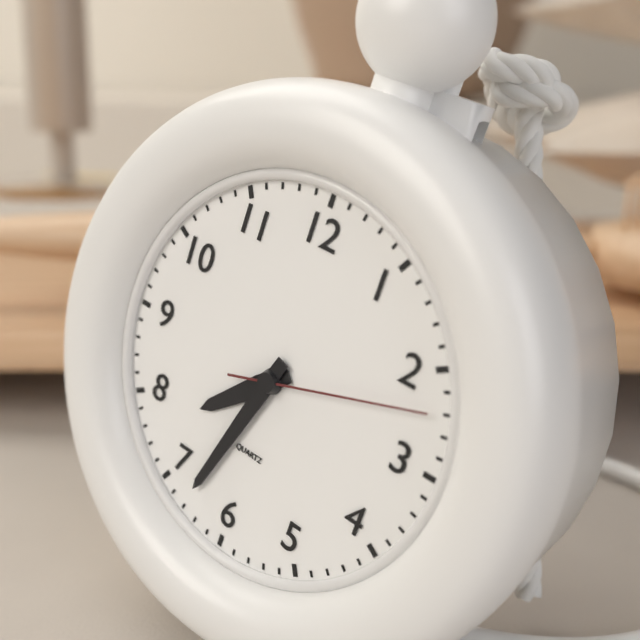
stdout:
{"hour": 7, "minute": 33, "second": 12}
